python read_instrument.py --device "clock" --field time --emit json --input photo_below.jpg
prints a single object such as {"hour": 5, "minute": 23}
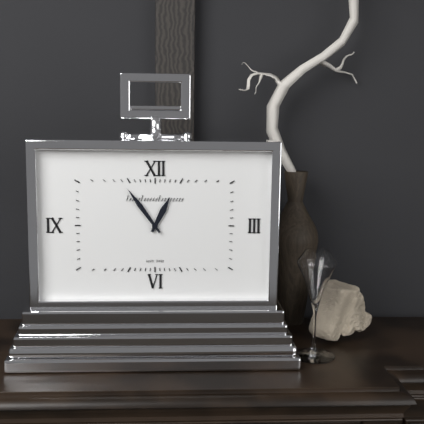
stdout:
{"hour": 12, "minute": 54}
